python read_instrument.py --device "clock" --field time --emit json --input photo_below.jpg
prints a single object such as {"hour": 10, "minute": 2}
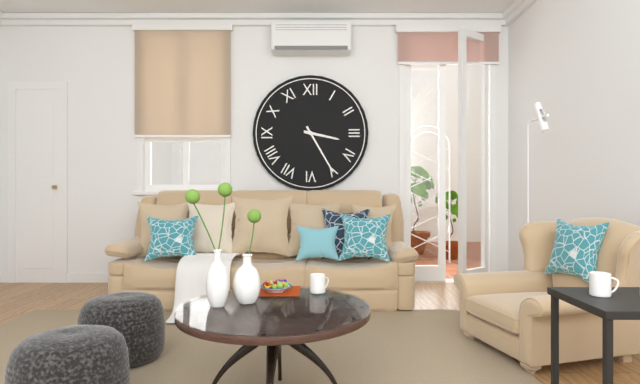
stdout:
{"hour": 3, "minute": 25}
